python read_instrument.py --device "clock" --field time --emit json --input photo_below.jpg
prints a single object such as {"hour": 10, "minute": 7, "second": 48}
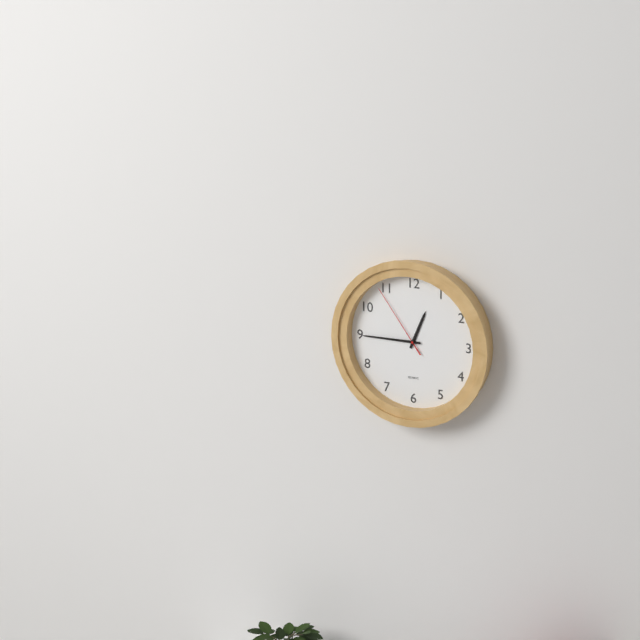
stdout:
{"hour": 12, "minute": 45, "second": 54}
